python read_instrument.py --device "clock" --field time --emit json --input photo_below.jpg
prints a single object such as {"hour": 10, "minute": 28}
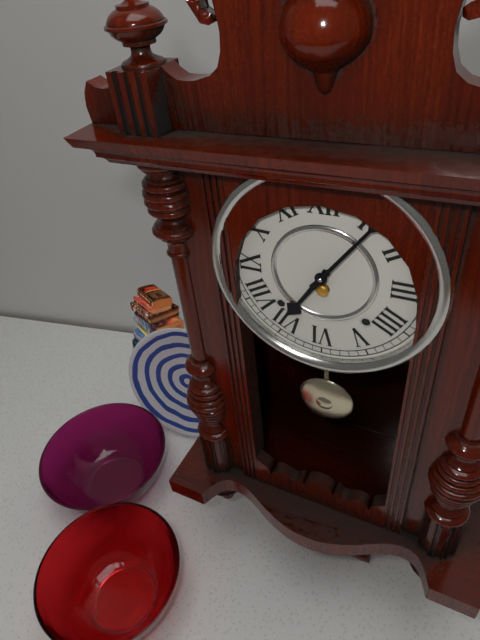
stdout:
{"hour": 7, "minute": 6}
